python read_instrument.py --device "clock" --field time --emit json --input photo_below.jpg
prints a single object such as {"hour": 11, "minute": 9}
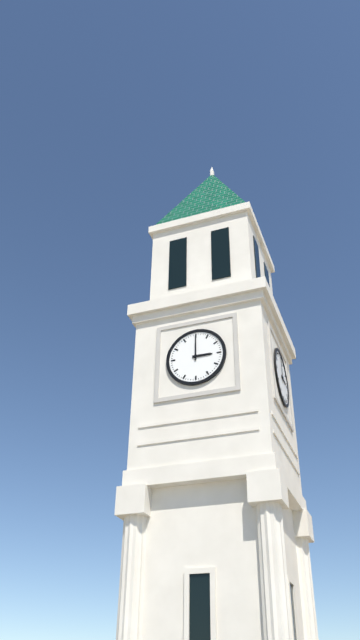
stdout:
{"hour": 3, "minute": 0}
